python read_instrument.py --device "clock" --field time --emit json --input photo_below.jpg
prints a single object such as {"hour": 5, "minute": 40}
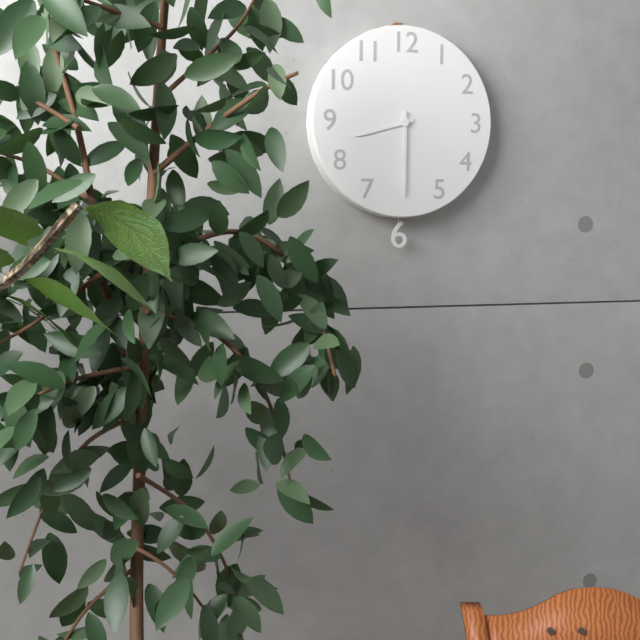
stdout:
{"hour": 8, "minute": 30}
